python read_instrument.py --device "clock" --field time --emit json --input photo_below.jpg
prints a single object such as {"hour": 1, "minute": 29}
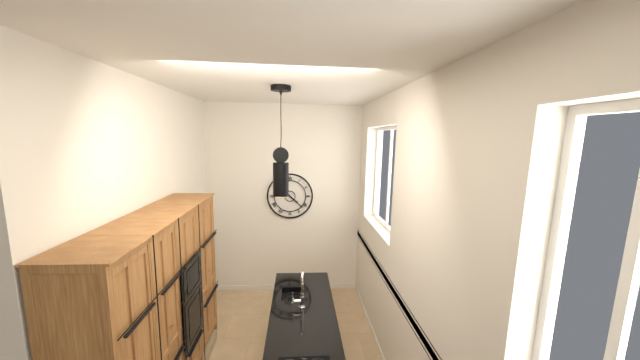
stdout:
{"hour": 4, "minute": 22}
